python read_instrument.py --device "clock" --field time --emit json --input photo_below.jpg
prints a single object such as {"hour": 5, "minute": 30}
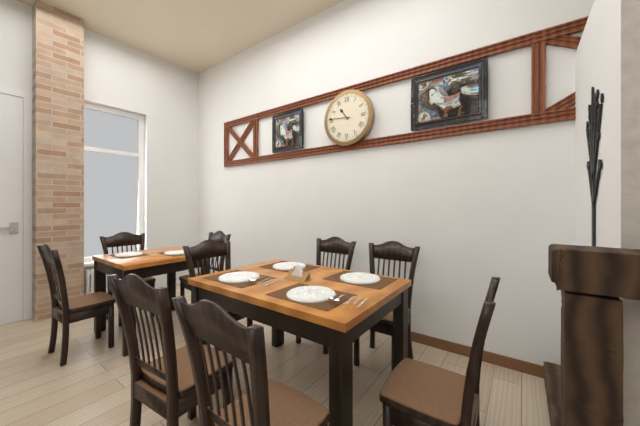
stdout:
{"hour": 10, "minute": 46}
